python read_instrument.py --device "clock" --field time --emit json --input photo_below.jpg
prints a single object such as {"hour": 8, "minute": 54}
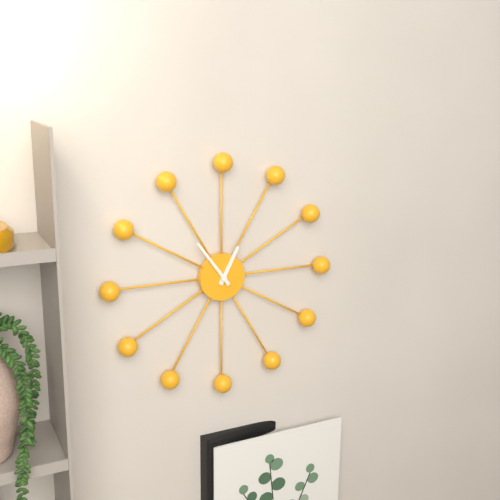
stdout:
{"hour": 12, "minute": 54}
